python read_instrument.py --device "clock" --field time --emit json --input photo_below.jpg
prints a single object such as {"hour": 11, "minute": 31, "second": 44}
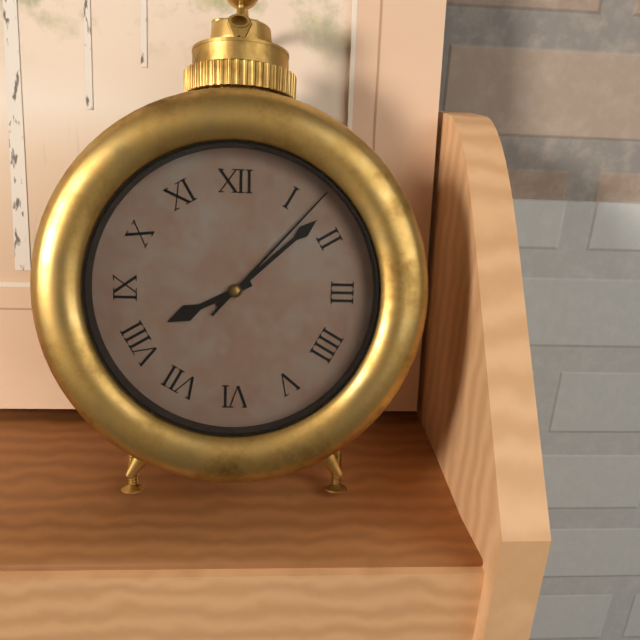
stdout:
{"hour": 8, "minute": 8, "second": 7}
